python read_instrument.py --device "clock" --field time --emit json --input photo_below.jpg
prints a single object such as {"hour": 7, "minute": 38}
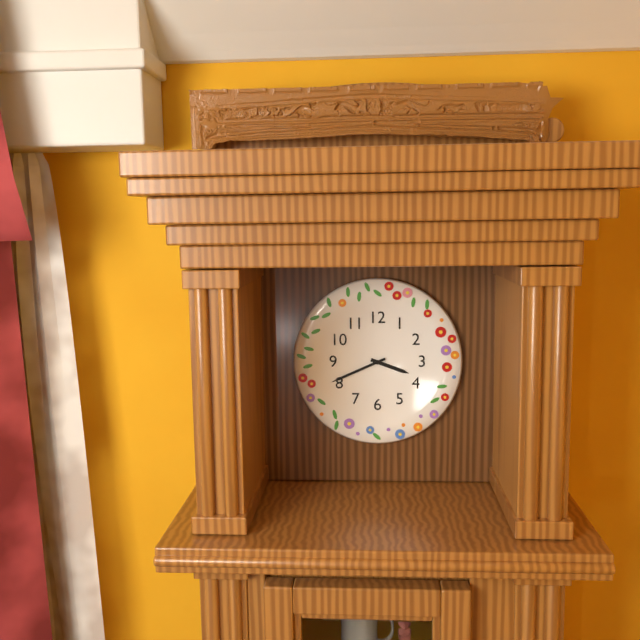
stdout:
{"hour": 3, "minute": 41}
